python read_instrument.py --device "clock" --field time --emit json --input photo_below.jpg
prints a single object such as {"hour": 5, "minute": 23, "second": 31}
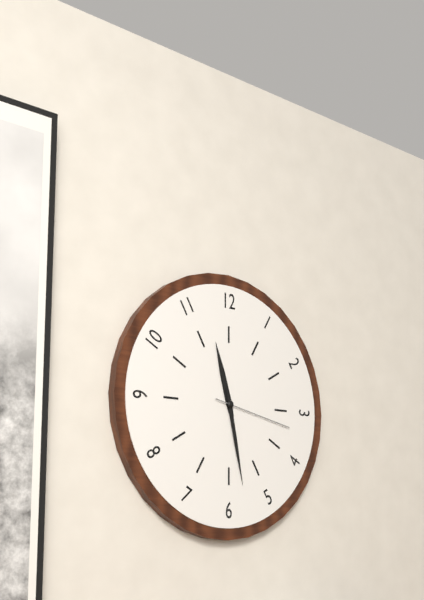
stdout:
{"hour": 11, "minute": 28, "second": 17}
